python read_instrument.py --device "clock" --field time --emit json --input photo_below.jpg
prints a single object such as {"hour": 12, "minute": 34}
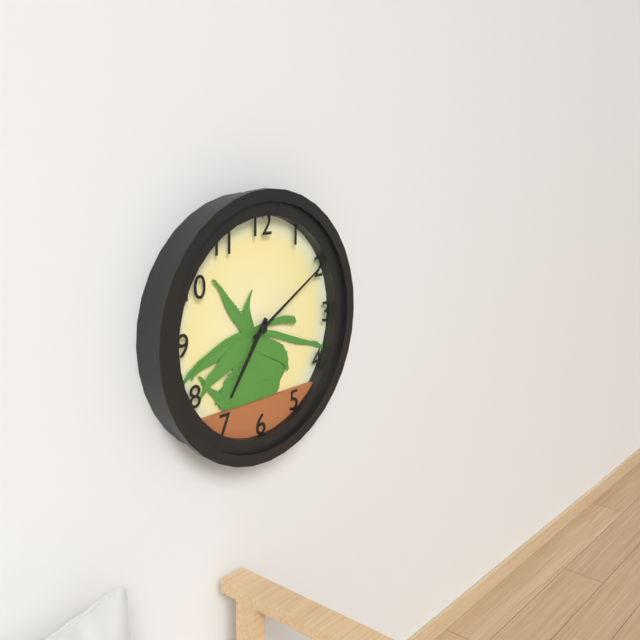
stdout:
{"hour": 7, "minute": 10}
